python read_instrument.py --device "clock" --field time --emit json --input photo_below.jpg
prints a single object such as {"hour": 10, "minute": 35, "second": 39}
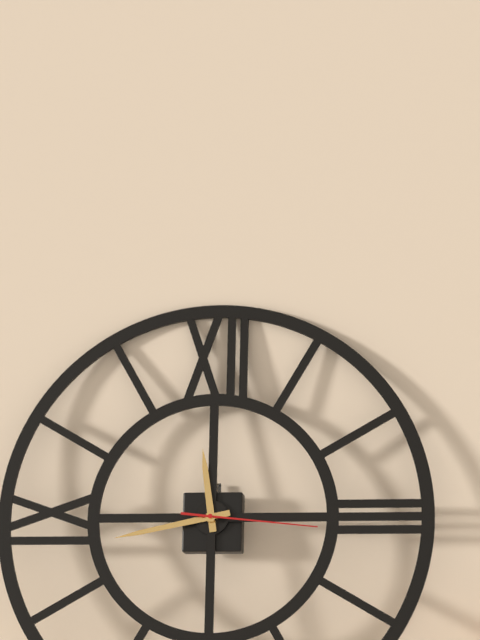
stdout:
{"hour": 11, "minute": 43, "second": 16}
